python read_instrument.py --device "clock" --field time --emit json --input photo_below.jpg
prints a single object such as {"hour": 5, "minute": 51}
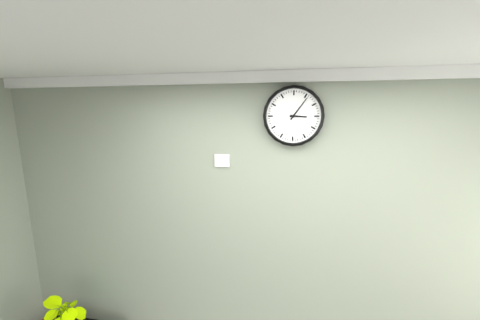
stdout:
{"hour": 3, "minute": 6}
